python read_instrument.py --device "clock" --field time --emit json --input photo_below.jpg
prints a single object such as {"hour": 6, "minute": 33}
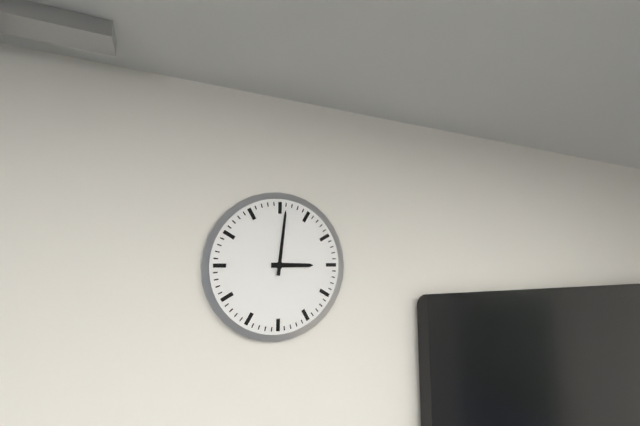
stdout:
{"hour": 3, "minute": 1}
